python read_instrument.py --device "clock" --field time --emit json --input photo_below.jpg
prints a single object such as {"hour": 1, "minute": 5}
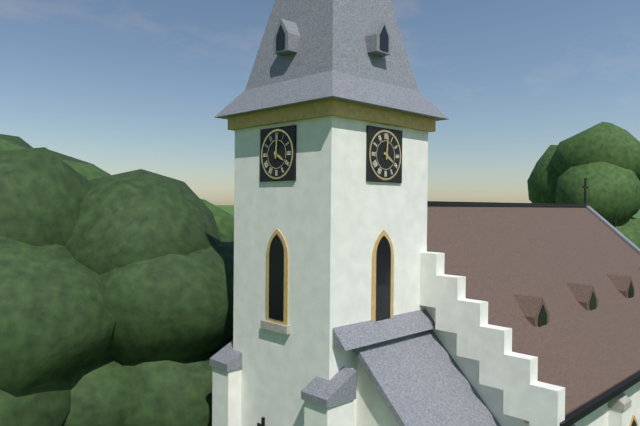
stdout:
{"hour": 4, "minute": 1}
